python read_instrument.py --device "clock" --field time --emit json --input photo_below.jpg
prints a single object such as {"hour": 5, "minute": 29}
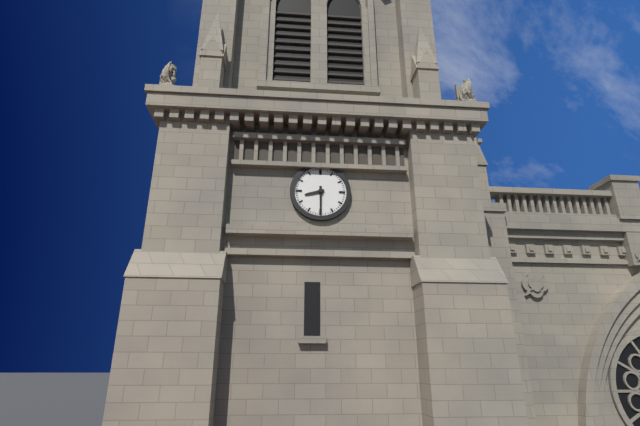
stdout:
{"hour": 8, "minute": 30}
